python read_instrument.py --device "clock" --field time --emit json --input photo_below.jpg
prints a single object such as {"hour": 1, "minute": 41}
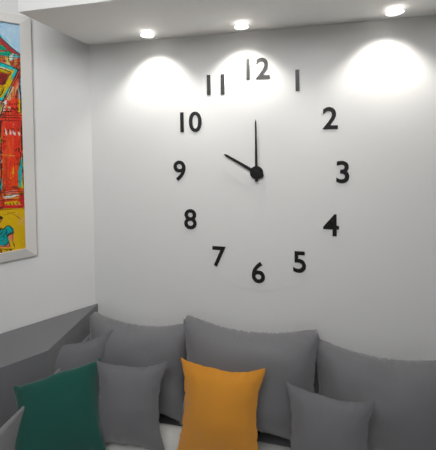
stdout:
{"hour": 10, "minute": 0}
